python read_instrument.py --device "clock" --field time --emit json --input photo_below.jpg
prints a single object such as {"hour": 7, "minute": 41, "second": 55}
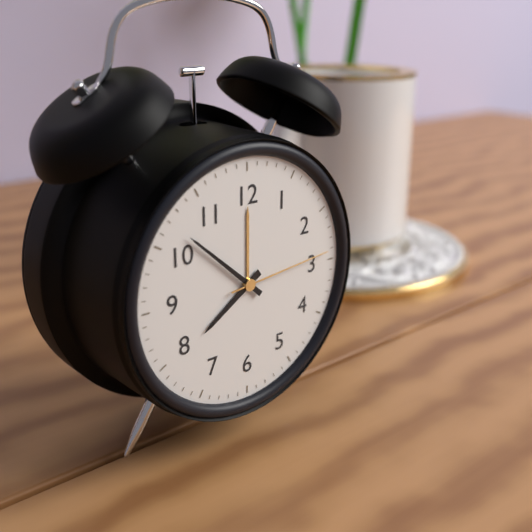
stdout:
{"hour": 7, "minute": 52, "second": 14}
